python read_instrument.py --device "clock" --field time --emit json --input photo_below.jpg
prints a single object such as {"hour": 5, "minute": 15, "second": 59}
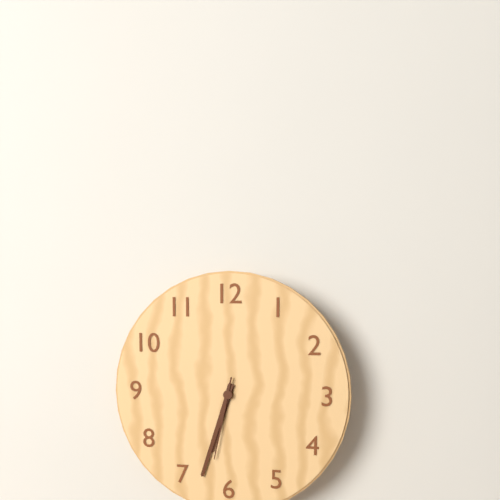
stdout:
{"hour": 6, "minute": 33, "second": 32}
